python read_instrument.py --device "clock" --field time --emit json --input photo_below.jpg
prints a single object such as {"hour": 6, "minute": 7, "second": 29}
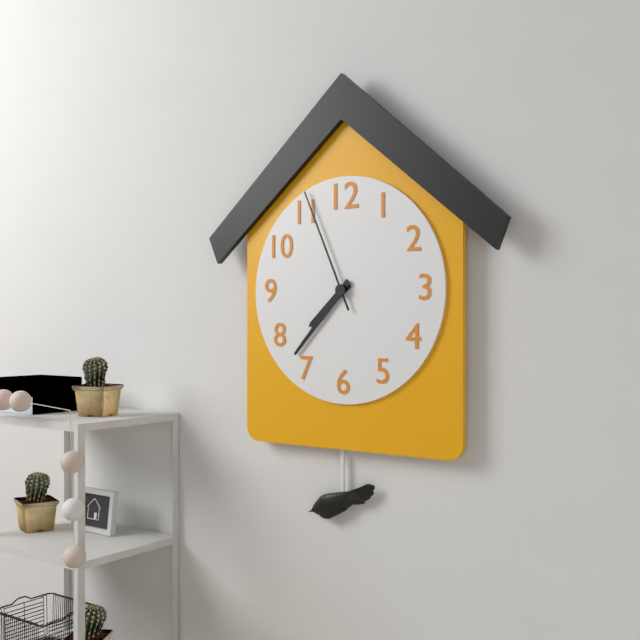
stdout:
{"hour": 7, "minute": 37, "second": 56}
